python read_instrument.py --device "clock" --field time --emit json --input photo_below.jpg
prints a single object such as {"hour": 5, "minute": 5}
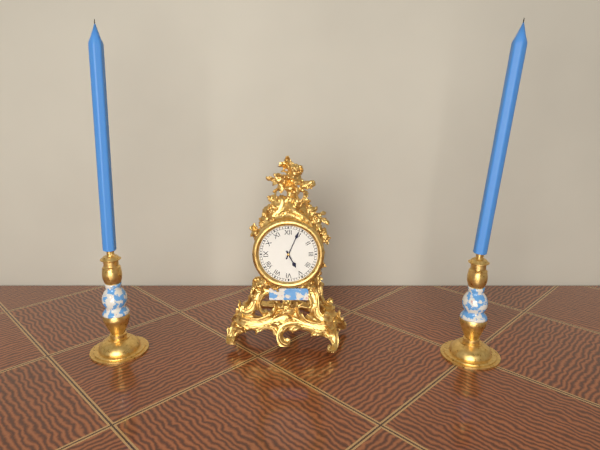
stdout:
{"hour": 5, "minute": 4}
